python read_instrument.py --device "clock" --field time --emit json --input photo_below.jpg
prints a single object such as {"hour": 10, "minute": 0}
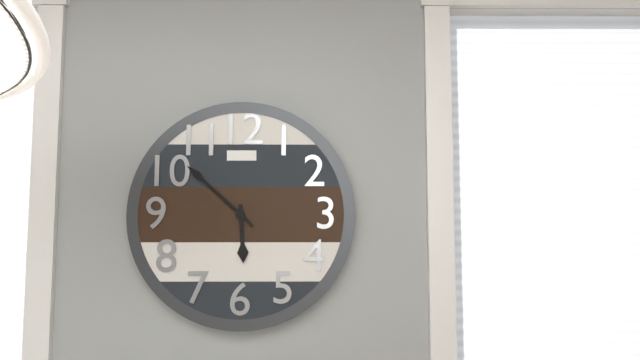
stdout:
{"hour": 5, "minute": 52}
